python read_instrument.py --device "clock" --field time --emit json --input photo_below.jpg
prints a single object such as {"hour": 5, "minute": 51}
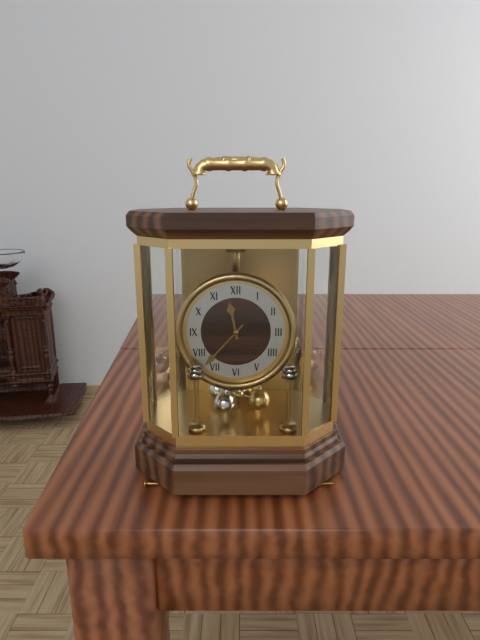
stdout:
{"hour": 11, "minute": 37}
